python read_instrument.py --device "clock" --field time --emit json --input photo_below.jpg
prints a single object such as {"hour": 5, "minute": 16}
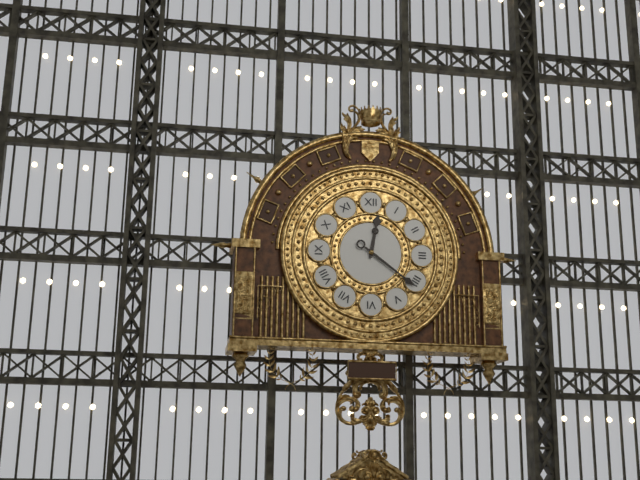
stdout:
{"hour": 12, "minute": 21}
